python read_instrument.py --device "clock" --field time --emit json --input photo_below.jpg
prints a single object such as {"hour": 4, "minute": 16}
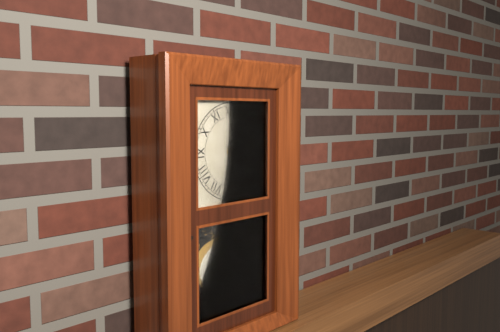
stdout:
{"hour": 4, "minute": 21}
